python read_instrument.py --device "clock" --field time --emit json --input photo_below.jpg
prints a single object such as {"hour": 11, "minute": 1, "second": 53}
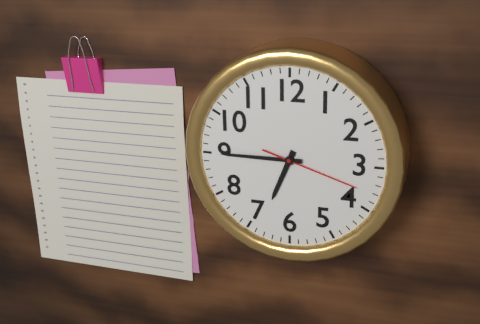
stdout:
{"hour": 6, "minute": 45, "second": 18}
